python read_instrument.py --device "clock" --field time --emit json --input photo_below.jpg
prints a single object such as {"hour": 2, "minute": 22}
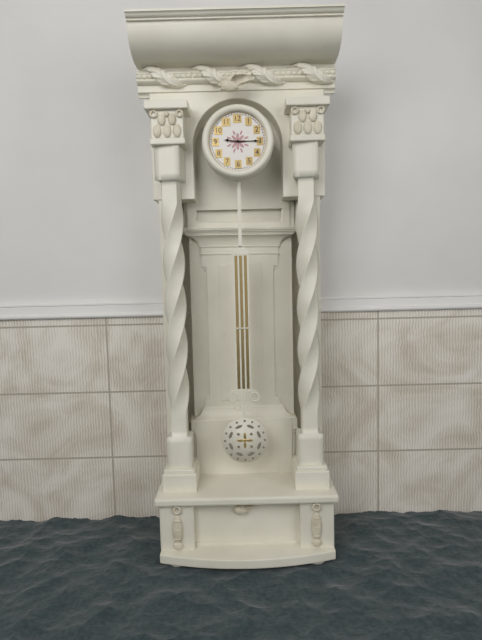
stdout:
{"hour": 9, "minute": 15}
